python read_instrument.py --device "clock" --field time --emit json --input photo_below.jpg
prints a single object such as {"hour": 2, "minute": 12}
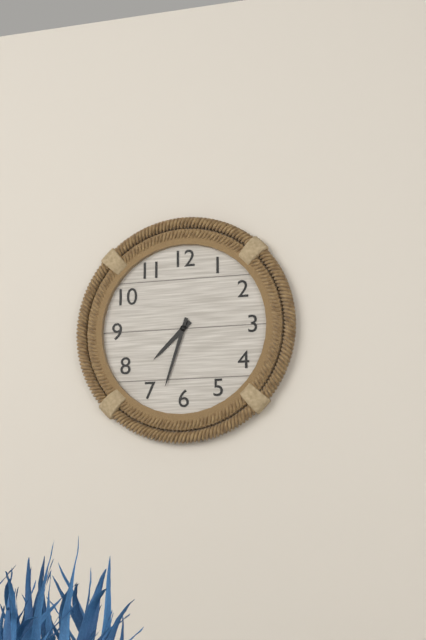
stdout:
{"hour": 7, "minute": 33}
